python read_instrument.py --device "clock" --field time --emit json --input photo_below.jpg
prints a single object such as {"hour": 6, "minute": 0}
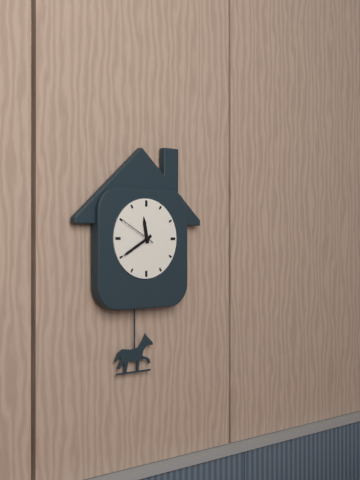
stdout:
{"hour": 11, "minute": 40}
